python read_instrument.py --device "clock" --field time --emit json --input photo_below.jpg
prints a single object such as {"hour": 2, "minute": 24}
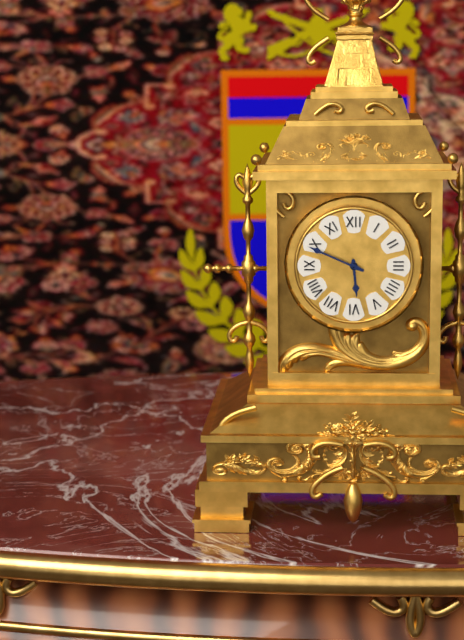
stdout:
{"hour": 5, "minute": 49}
